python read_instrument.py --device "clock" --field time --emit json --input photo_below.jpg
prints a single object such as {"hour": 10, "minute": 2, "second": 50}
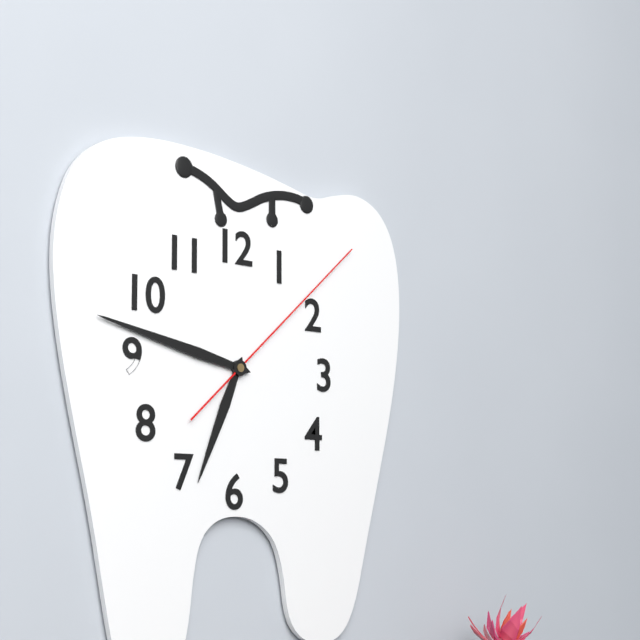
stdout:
{"hour": 6, "minute": 47, "second": 8}
